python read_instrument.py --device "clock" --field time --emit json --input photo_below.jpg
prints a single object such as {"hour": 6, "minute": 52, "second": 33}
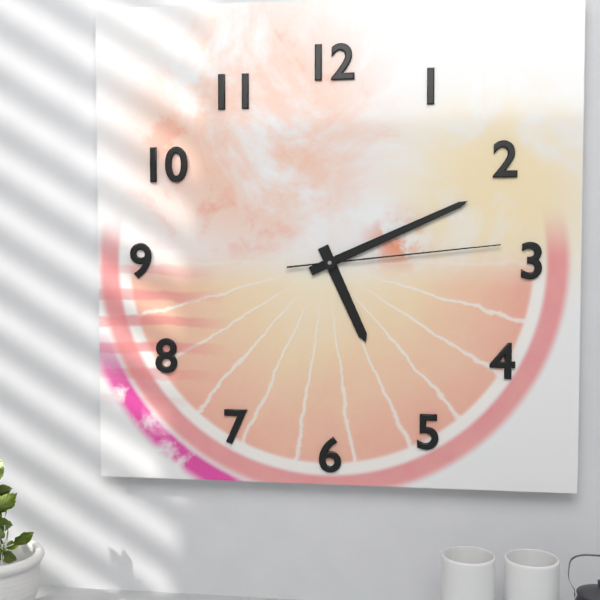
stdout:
{"hour": 5, "minute": 11, "second": 14}
